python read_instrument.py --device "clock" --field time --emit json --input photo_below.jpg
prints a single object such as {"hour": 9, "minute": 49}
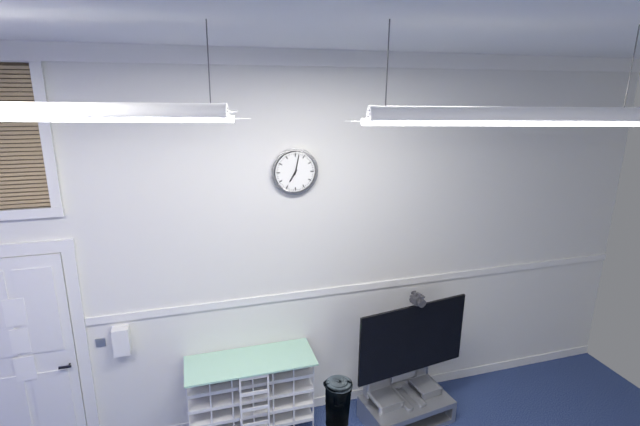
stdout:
{"hour": 7, "minute": 2}
